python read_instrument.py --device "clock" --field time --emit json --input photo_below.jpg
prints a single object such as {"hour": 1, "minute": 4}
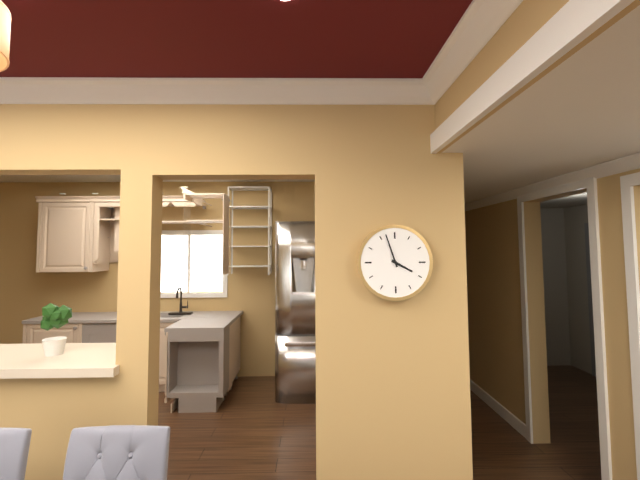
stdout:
{"hour": 3, "minute": 57}
